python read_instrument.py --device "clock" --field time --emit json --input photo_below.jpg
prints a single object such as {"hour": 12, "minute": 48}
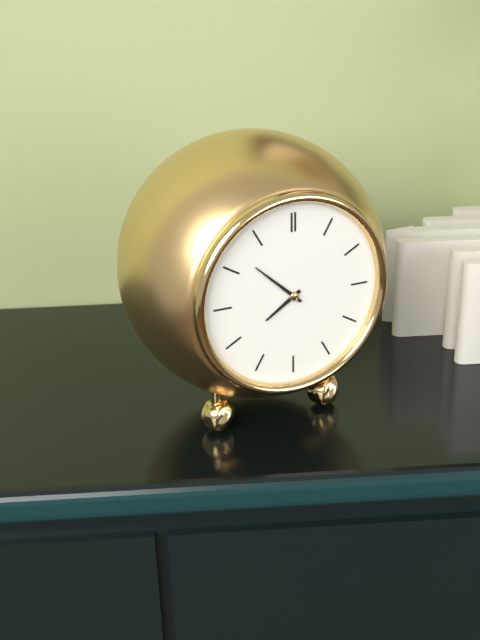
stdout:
{"hour": 7, "minute": 52}
